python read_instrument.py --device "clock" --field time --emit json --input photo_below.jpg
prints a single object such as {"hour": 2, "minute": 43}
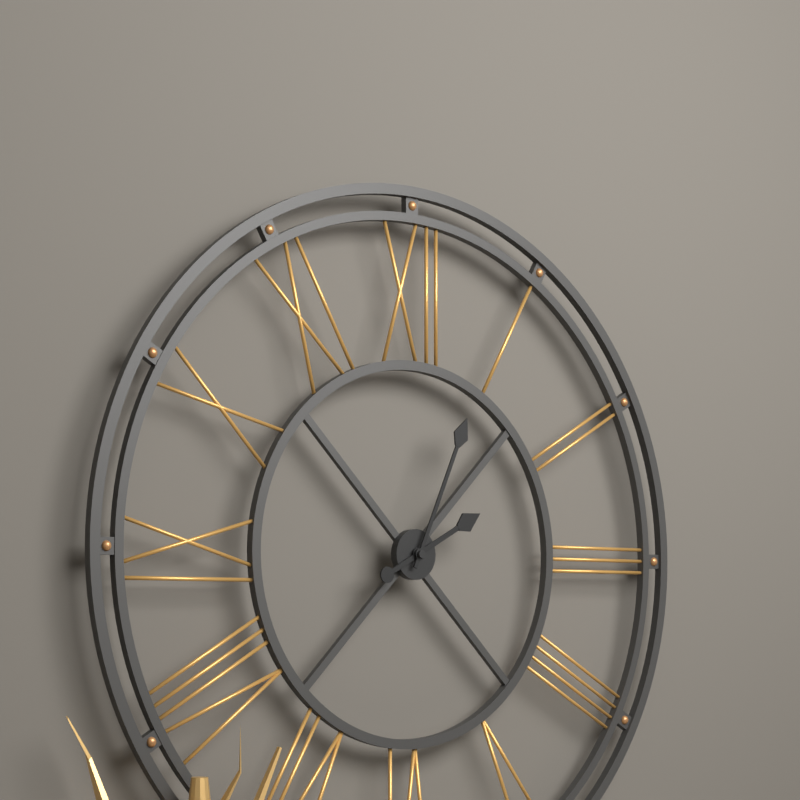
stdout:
{"hour": 2, "minute": 4}
